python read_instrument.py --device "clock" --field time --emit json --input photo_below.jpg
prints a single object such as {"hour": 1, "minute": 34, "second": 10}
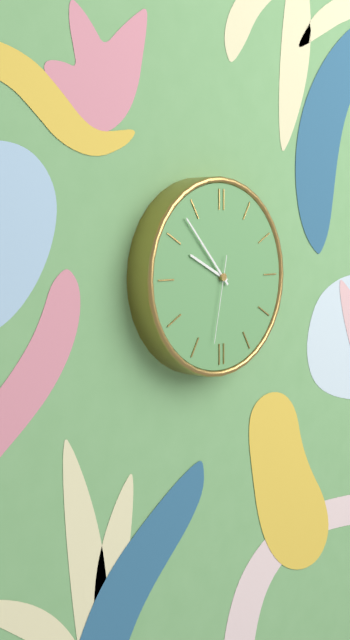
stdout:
{"hour": 9, "minute": 53, "second": 32}
